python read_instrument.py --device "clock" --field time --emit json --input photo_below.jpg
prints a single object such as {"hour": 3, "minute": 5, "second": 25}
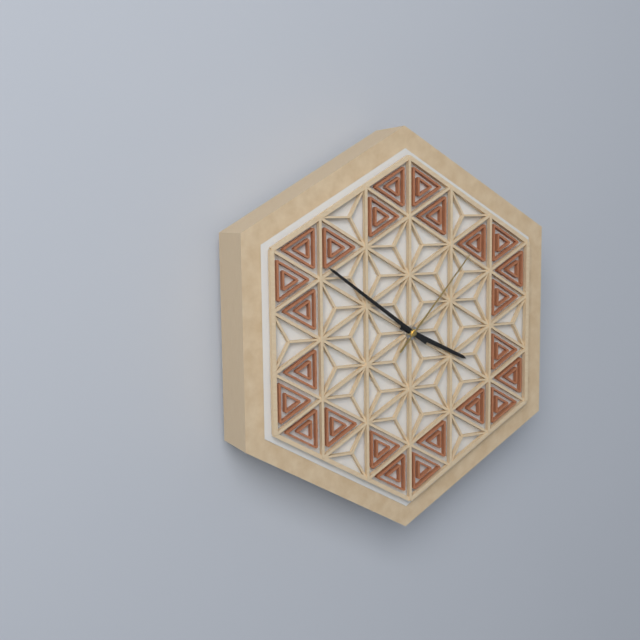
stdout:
{"hour": 3, "minute": 51, "second": 7}
